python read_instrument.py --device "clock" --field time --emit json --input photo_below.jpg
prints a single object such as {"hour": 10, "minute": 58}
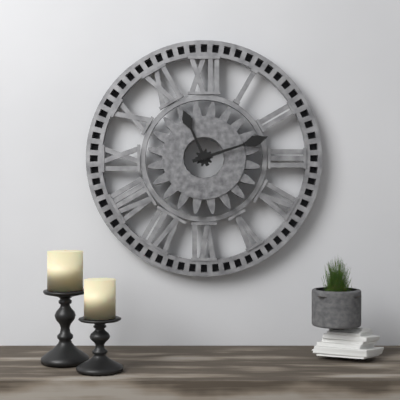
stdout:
{"hour": 11, "minute": 12}
